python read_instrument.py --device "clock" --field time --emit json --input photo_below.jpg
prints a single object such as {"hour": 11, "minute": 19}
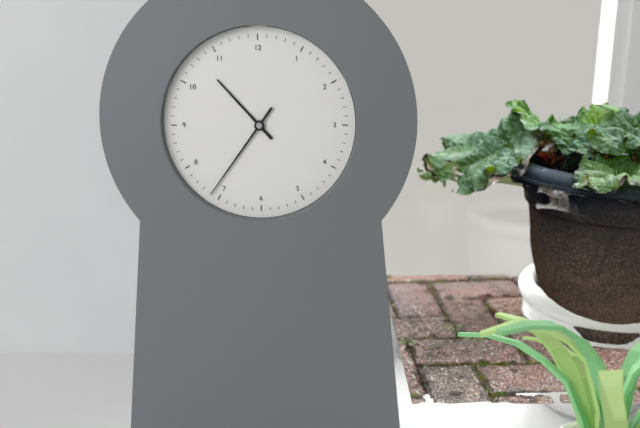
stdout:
{"hour": 10, "minute": 36}
